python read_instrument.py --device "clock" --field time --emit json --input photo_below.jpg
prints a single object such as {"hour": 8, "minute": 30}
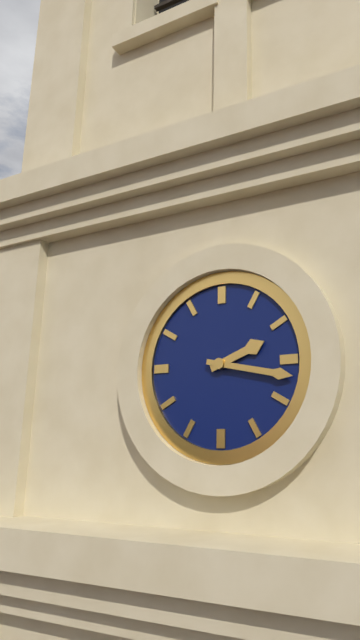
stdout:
{"hour": 2, "minute": 17}
